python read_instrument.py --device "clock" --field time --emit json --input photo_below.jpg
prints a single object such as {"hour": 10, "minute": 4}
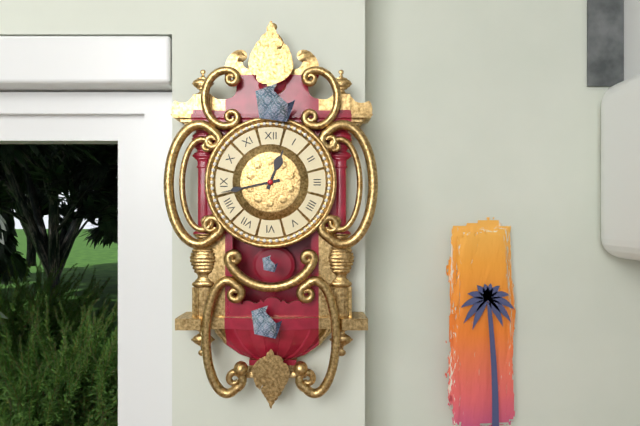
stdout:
{"hour": 12, "minute": 43}
